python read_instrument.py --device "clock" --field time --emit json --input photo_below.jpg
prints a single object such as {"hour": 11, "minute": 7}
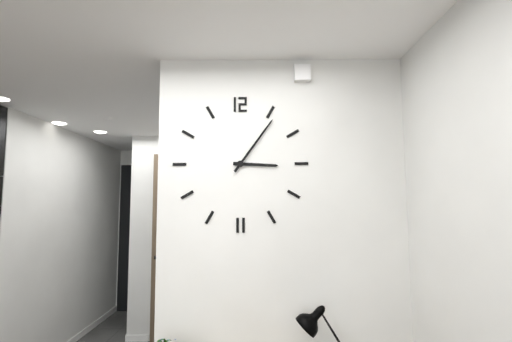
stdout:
{"hour": 3, "minute": 6}
